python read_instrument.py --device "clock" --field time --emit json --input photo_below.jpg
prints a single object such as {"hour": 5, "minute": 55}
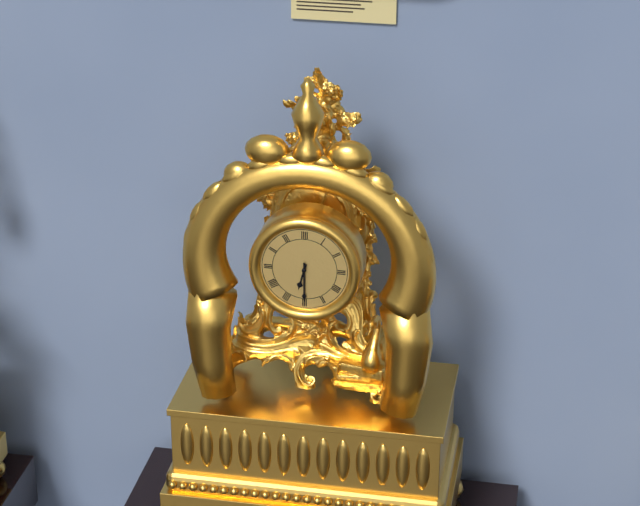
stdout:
{"hour": 6, "minute": 30}
